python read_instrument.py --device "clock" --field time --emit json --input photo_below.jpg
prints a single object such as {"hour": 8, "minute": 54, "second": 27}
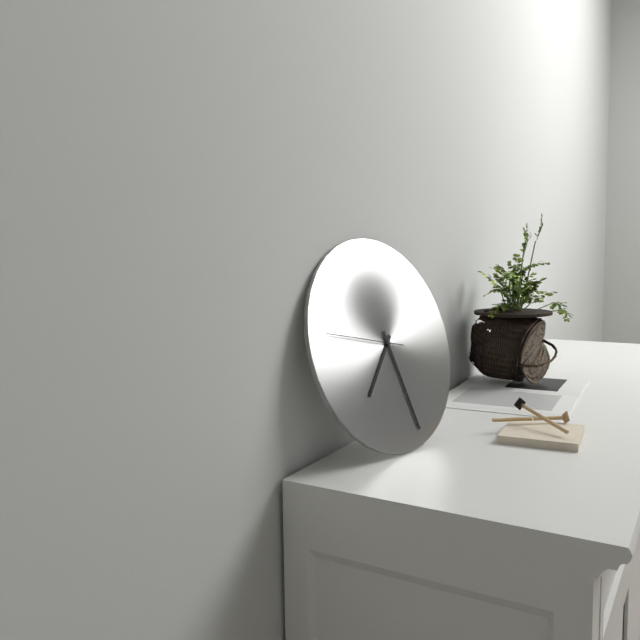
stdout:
{"hour": 7, "minute": 28, "second": 47}
